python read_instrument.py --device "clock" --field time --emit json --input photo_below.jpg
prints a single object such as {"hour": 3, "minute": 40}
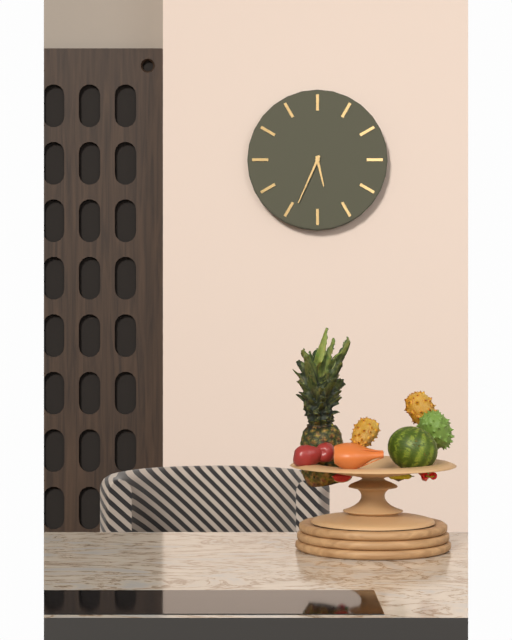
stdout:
{"hour": 5, "minute": 34}
